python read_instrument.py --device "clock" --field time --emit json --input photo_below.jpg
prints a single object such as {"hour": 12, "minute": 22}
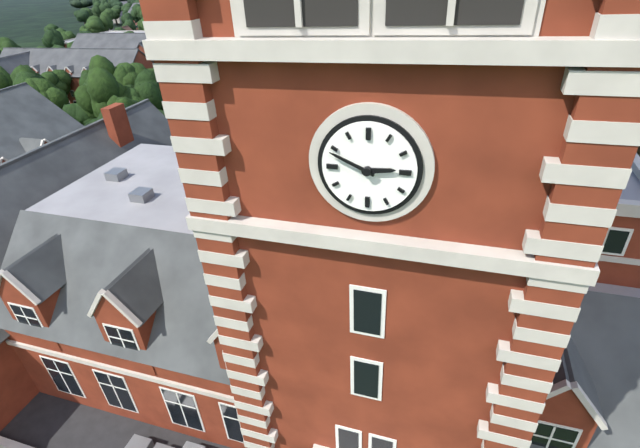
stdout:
{"hour": 2, "minute": 49}
